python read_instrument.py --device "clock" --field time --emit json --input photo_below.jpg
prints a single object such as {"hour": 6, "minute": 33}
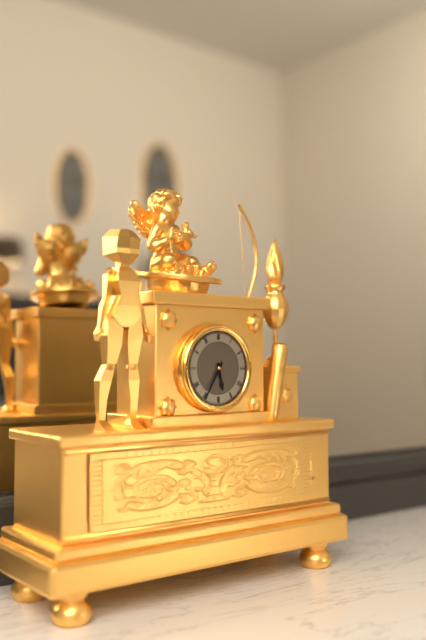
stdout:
{"hour": 5, "minute": 35}
